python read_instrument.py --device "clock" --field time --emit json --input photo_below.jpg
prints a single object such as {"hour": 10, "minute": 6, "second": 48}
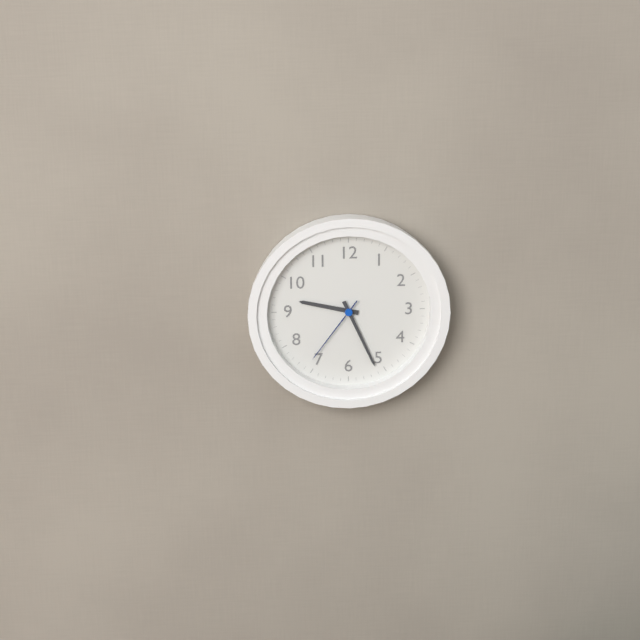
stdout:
{"hour": 9, "minute": 26, "second": 36}
